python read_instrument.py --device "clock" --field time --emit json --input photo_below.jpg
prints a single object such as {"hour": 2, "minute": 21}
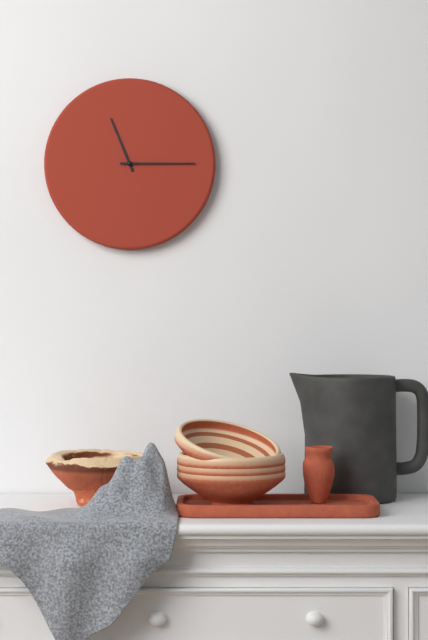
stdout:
{"hour": 11, "minute": 15}
